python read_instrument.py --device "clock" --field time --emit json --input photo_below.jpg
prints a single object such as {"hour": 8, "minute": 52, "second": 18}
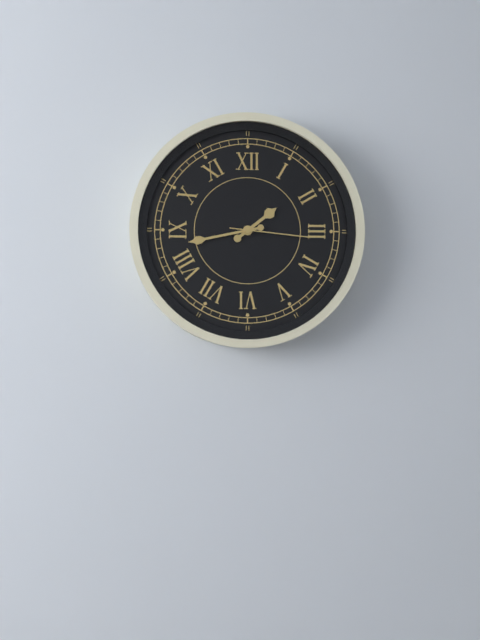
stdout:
{"hour": 1, "minute": 43, "second": 16}
